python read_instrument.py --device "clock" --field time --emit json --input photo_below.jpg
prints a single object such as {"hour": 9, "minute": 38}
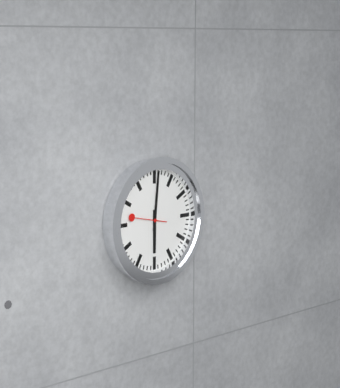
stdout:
{"hour": 6, "minute": 1}
